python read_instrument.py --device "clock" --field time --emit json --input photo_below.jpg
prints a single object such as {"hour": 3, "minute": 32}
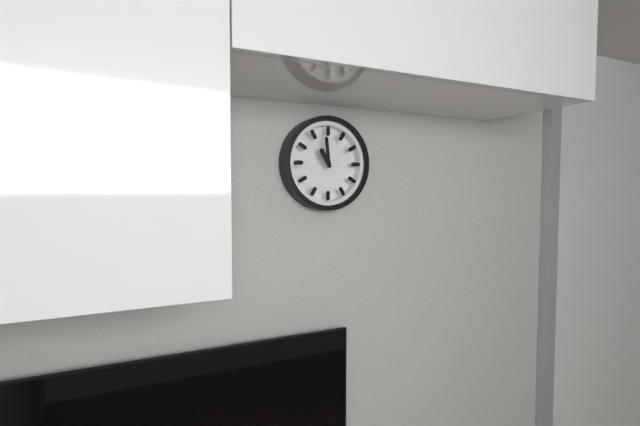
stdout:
{"hour": 10, "minute": 59}
